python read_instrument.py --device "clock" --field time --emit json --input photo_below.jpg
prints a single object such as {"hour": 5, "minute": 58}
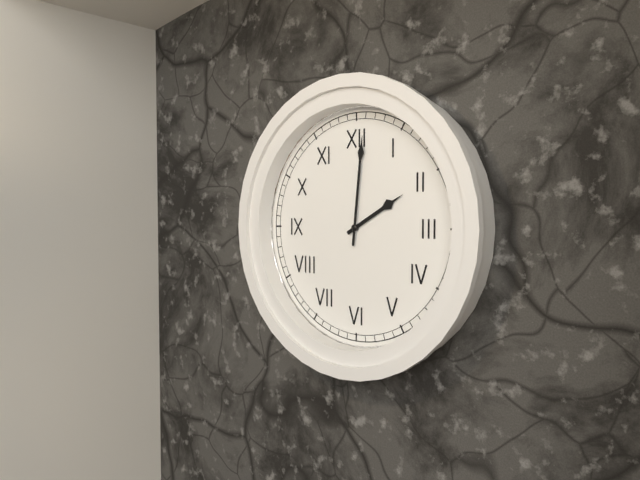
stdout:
{"hour": 2, "minute": 1}
